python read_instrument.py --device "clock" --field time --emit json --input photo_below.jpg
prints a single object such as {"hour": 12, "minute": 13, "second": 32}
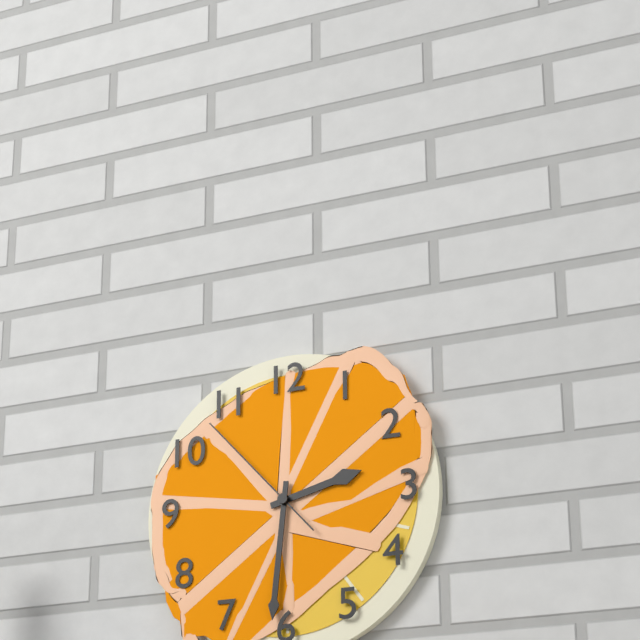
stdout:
{"hour": 2, "minute": 31, "second": 53}
